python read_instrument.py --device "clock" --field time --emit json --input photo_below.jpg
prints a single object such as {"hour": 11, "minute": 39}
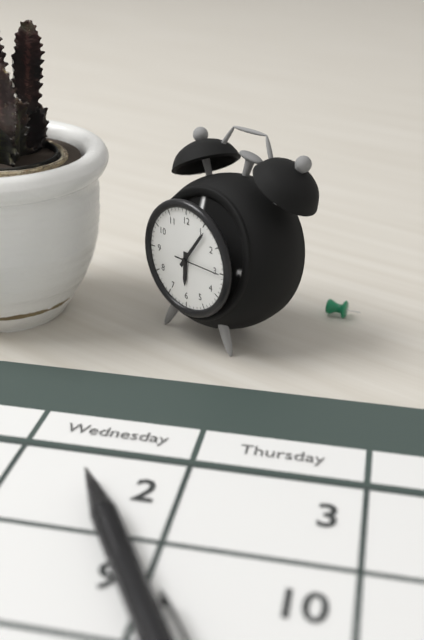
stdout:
{"hour": 6, "minute": 6}
